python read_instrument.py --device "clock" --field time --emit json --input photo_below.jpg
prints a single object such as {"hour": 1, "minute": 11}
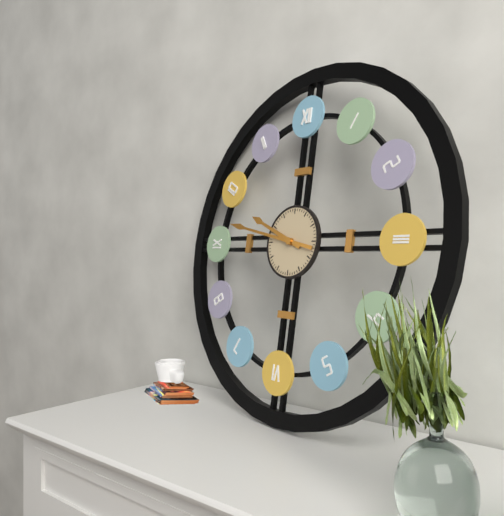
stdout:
{"hour": 9, "minute": 47}
